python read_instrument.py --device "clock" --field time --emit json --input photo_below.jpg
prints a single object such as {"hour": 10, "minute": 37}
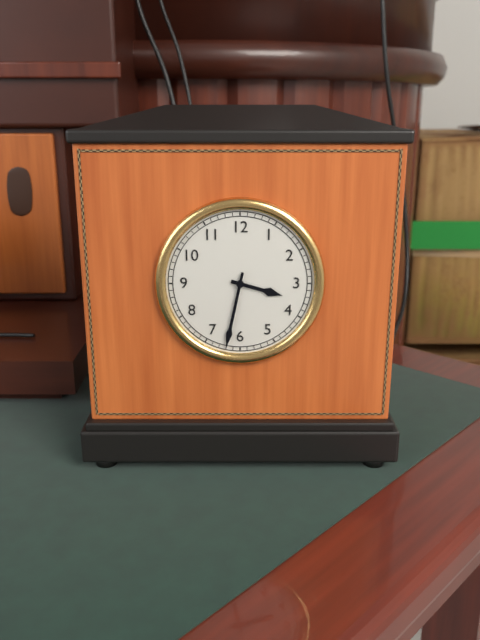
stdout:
{"hour": 3, "minute": 32}
